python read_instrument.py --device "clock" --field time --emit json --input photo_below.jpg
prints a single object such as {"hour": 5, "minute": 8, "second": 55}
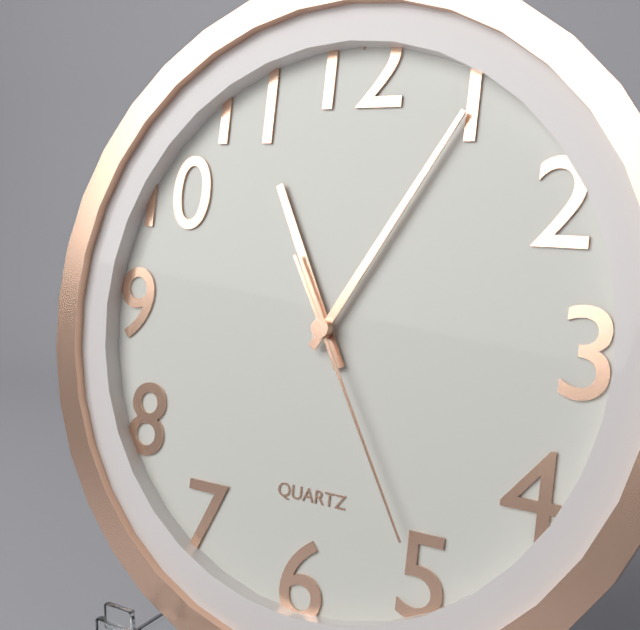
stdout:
{"hour": 11, "minute": 5, "second": 25}
